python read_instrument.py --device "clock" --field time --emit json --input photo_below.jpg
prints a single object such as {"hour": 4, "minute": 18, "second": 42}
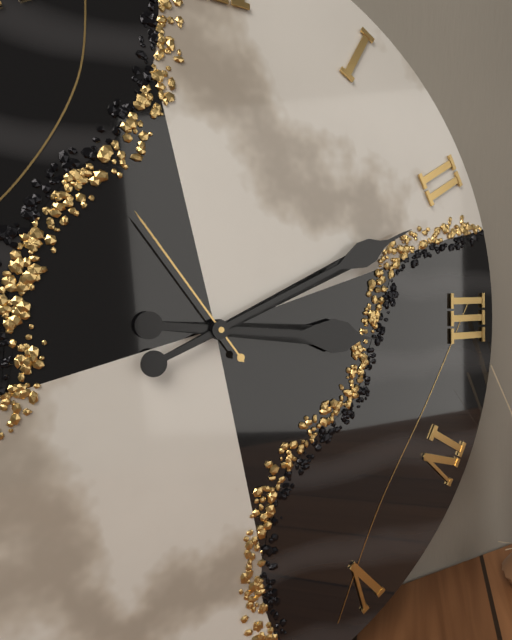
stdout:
{"hour": 3, "minute": 11, "second": 54}
